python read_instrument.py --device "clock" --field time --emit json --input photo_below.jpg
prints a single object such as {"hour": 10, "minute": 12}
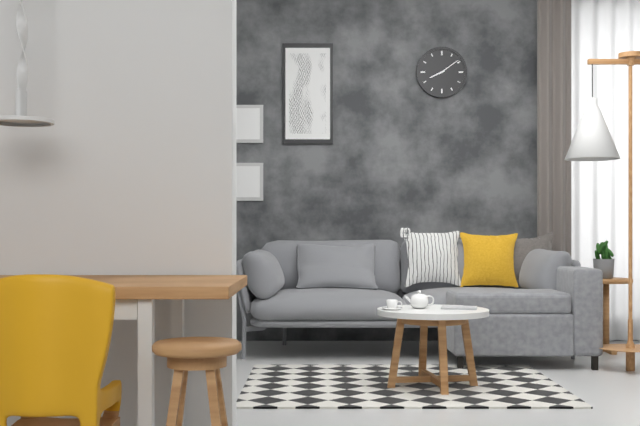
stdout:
{"hour": 8, "minute": 9}
